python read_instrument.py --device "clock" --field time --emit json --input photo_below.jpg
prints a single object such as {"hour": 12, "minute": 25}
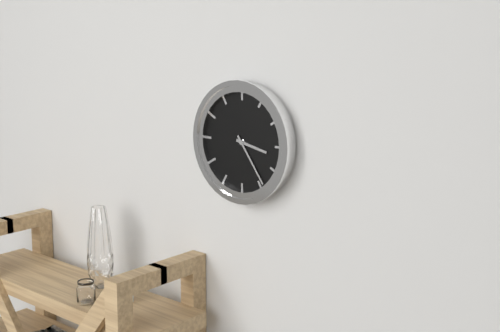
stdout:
{"hour": 3, "minute": 24}
